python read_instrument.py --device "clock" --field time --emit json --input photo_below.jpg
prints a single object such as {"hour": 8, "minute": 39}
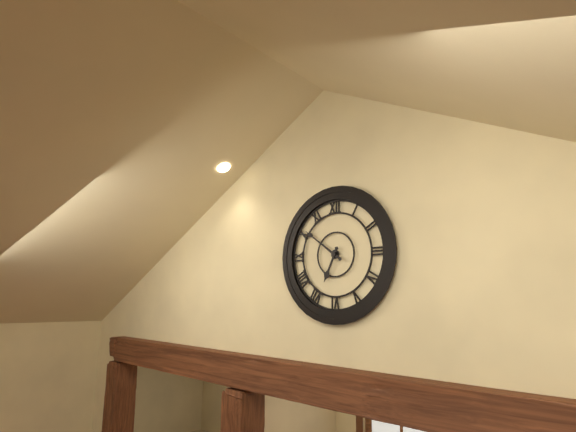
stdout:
{"hour": 6, "minute": 51}
